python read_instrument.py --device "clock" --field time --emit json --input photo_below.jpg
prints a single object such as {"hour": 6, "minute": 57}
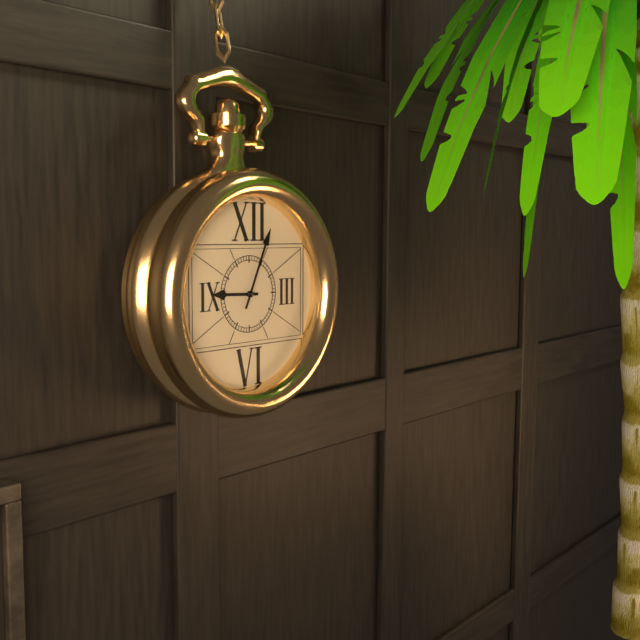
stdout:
{"hour": 9, "minute": 4}
